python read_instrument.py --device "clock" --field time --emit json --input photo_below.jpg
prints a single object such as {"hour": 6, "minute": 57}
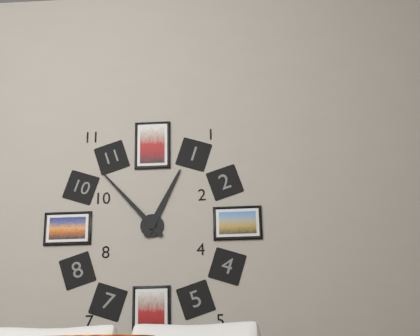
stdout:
{"hour": 12, "minute": 53}
